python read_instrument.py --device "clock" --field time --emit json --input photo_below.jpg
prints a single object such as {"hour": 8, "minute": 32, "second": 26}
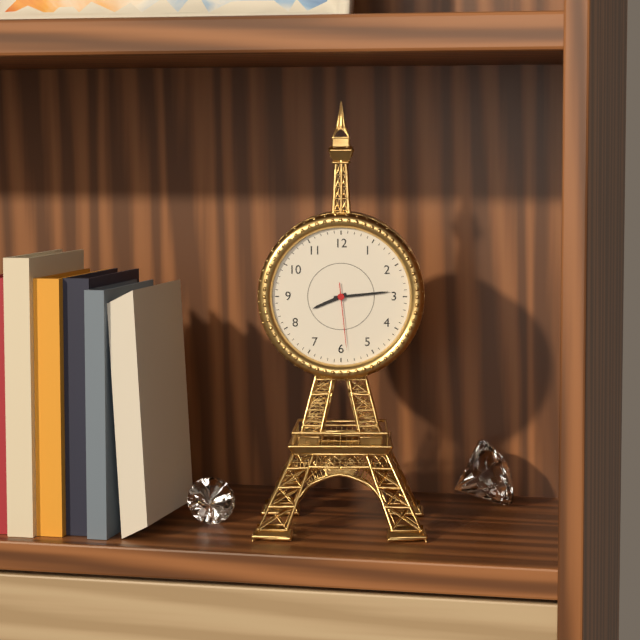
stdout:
{"hour": 8, "minute": 14, "second": 29}
